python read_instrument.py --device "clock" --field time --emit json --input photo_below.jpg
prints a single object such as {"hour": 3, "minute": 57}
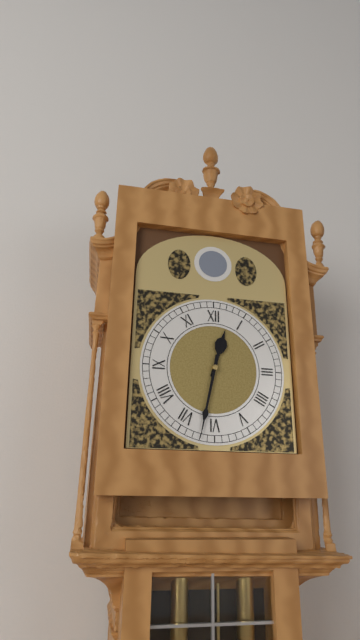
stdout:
{"hour": 12, "minute": 32}
